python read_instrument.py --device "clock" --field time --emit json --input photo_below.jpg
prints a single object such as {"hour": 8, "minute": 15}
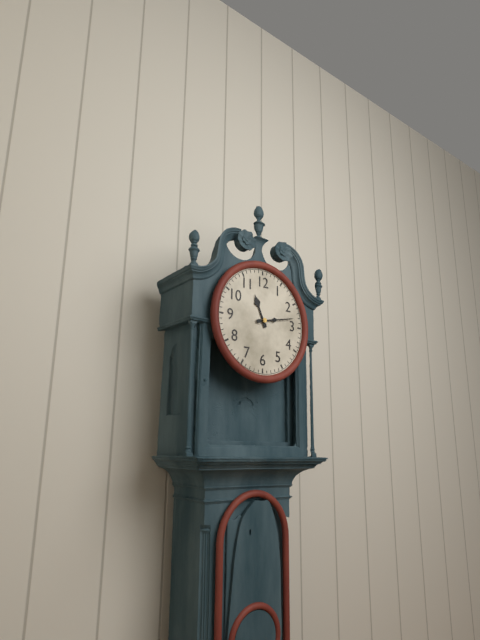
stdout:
{"hour": 11, "minute": 13}
